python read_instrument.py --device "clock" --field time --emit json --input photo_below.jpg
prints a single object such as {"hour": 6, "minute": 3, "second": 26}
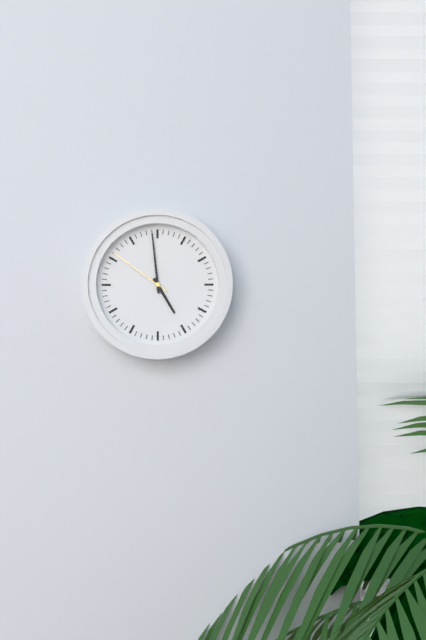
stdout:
{"hour": 4, "minute": 59, "second": 51}
